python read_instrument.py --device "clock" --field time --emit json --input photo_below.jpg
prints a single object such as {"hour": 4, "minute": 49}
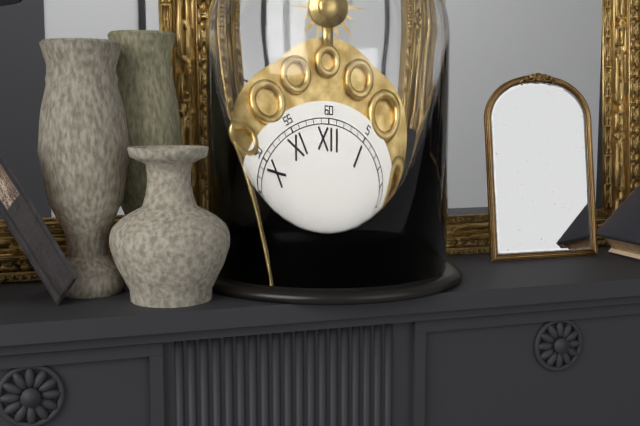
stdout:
{"hour": 2, "minute": 40}
